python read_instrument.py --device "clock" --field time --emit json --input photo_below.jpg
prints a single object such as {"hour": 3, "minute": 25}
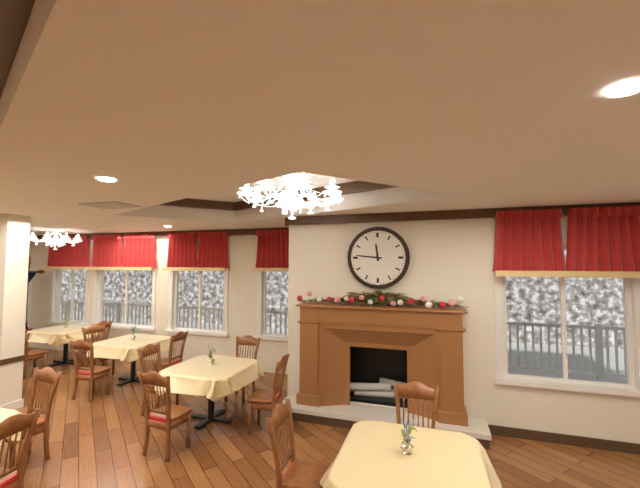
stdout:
{"hour": 11, "minute": 46}
